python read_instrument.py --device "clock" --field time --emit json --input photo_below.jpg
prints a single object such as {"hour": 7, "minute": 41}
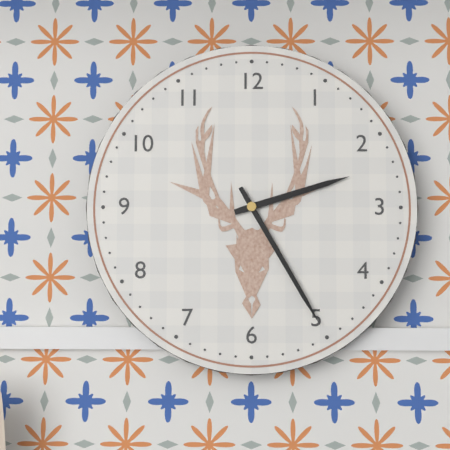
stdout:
{"hour": 2, "minute": 25}
